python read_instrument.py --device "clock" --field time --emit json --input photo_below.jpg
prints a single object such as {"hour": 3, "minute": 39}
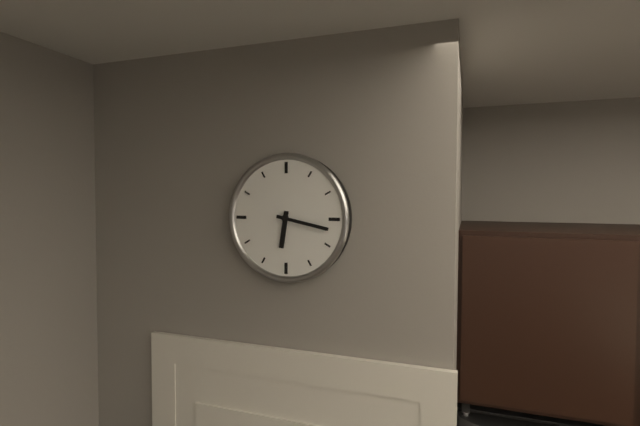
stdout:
{"hour": 6, "minute": 17}
